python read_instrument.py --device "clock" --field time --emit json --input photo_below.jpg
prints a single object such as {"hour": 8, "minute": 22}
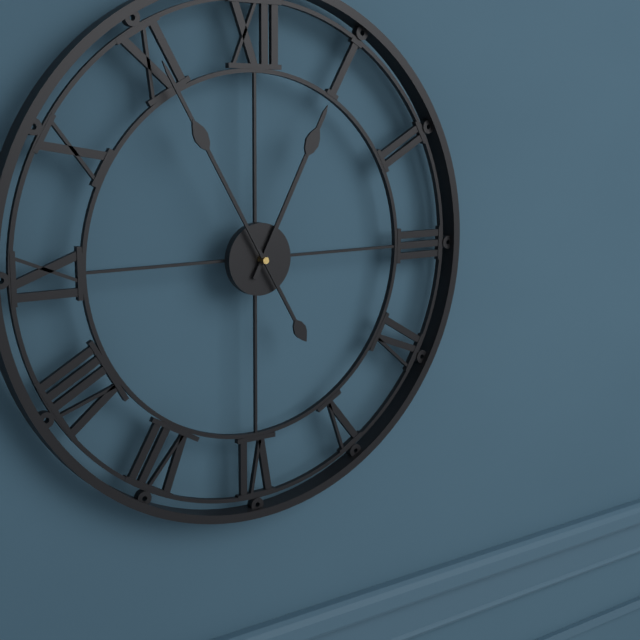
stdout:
{"hour": 12, "minute": 55}
